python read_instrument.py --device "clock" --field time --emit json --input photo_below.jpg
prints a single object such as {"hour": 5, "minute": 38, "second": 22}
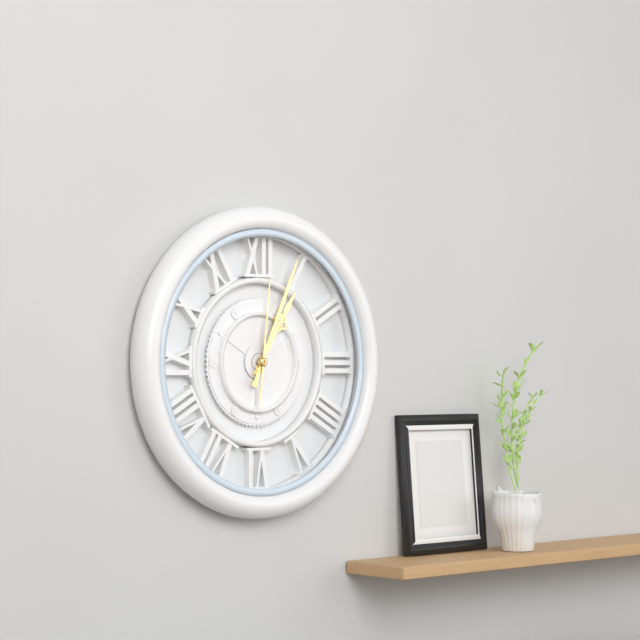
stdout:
{"hour": 1, "minute": 4, "second": 1}
